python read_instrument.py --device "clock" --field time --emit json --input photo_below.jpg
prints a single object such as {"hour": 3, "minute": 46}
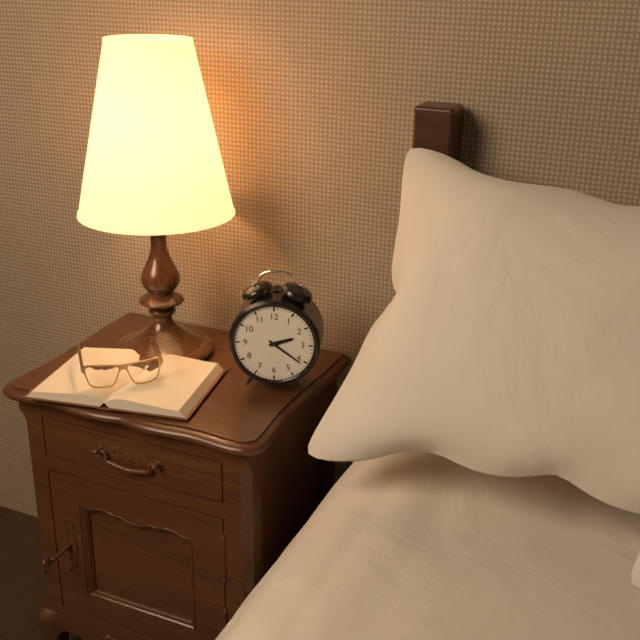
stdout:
{"hour": 2, "minute": 21}
